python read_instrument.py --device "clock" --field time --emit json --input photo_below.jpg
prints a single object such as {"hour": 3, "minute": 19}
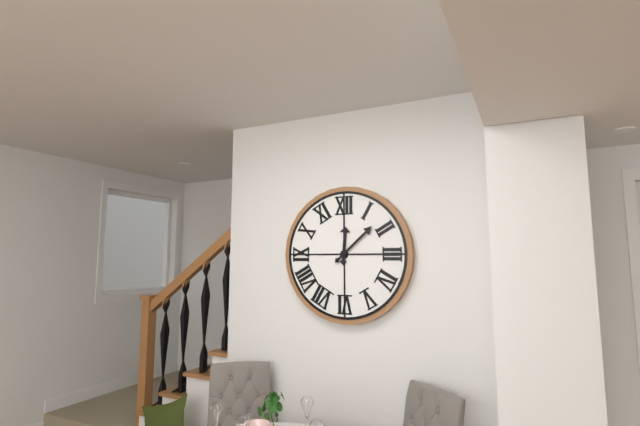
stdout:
{"hour": 12, "minute": 8}
